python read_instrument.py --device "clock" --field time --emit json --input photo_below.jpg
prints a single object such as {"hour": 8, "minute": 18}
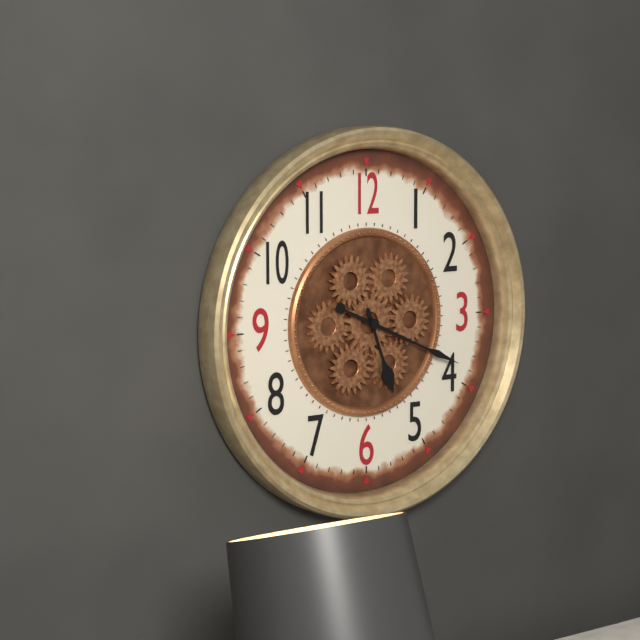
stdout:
{"hour": 5, "minute": 19}
